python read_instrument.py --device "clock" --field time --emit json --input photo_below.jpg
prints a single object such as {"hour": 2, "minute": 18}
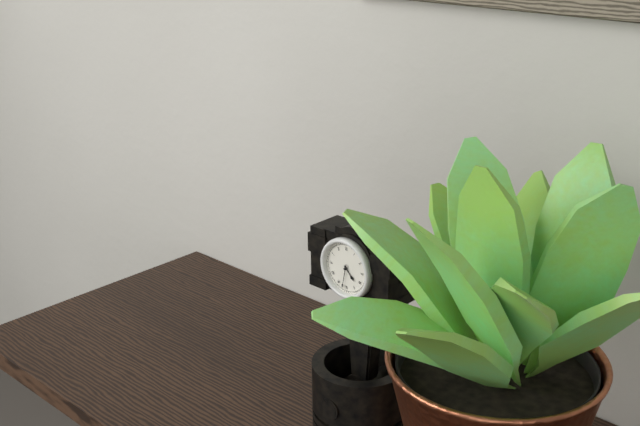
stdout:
{"hour": 4, "minute": 32}
